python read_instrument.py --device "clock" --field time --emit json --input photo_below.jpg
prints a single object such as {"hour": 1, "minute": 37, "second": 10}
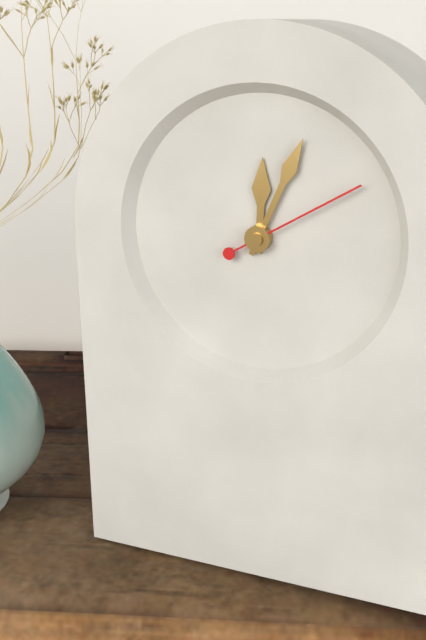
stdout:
{"hour": 12, "minute": 4, "second": 10}
